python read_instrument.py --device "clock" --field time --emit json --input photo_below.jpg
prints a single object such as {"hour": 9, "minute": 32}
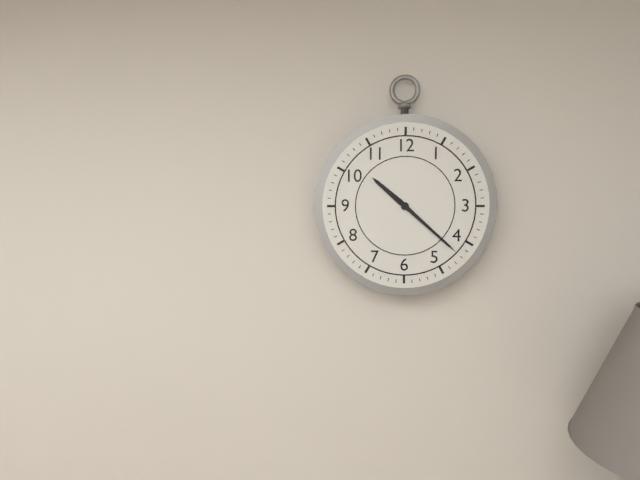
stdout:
{"hour": 10, "minute": 22}
